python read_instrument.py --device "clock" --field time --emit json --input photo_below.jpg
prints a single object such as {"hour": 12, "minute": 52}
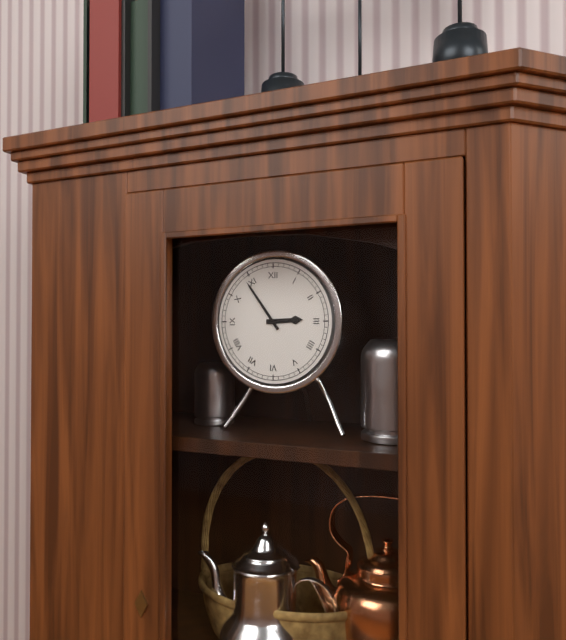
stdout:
{"hour": 2, "minute": 54}
